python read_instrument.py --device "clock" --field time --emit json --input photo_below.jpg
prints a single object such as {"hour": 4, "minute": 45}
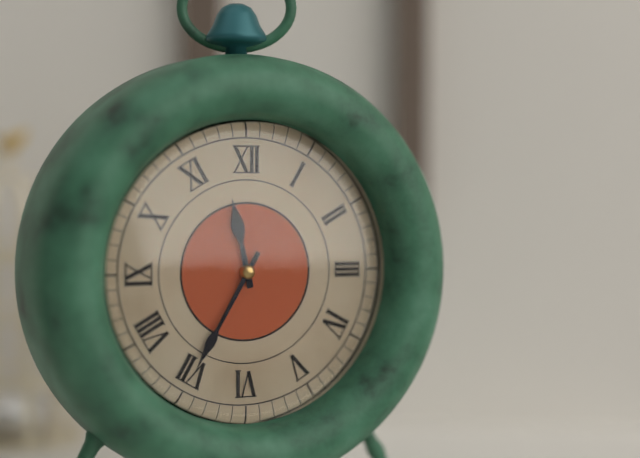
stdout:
{"hour": 11, "minute": 35}
